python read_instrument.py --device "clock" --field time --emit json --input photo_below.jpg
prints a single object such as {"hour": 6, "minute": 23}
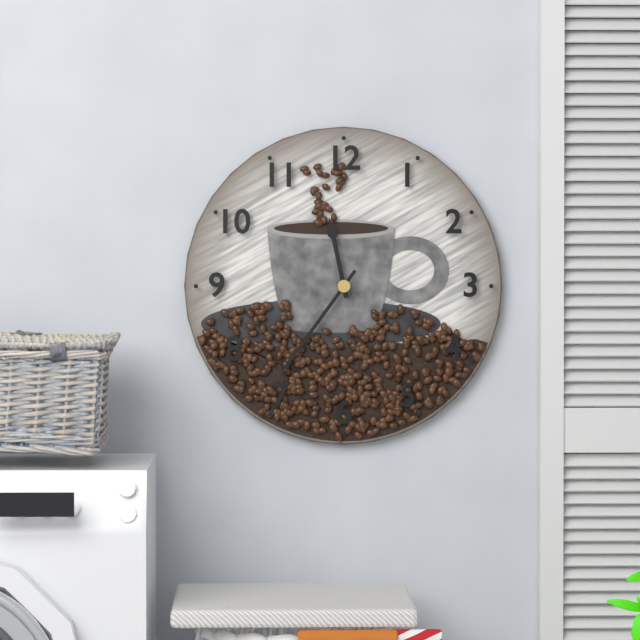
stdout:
{"hour": 11, "minute": 36}
